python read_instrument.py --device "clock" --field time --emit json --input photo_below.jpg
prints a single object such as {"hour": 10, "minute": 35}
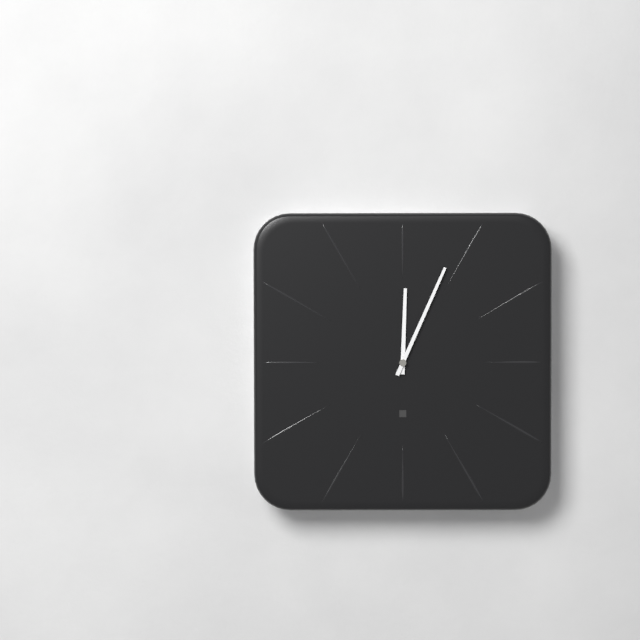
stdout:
{"hour": 12, "minute": 4}
